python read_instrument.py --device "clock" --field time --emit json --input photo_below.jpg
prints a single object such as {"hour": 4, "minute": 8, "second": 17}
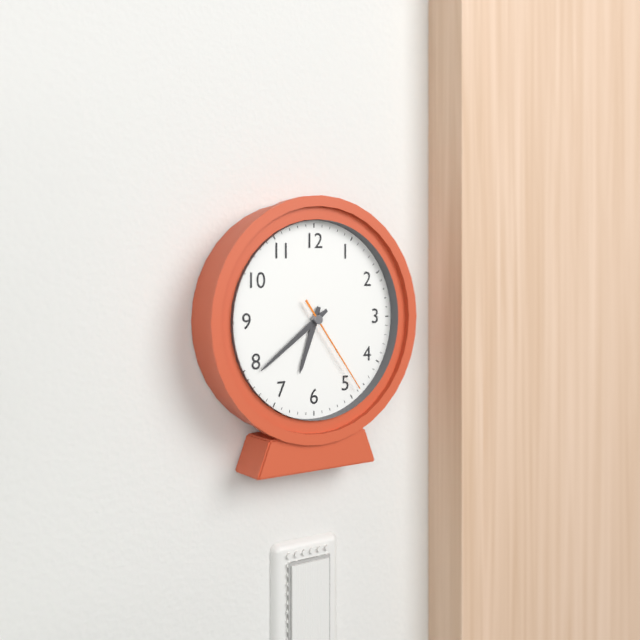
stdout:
{"hour": 6, "minute": 39, "second": 24}
